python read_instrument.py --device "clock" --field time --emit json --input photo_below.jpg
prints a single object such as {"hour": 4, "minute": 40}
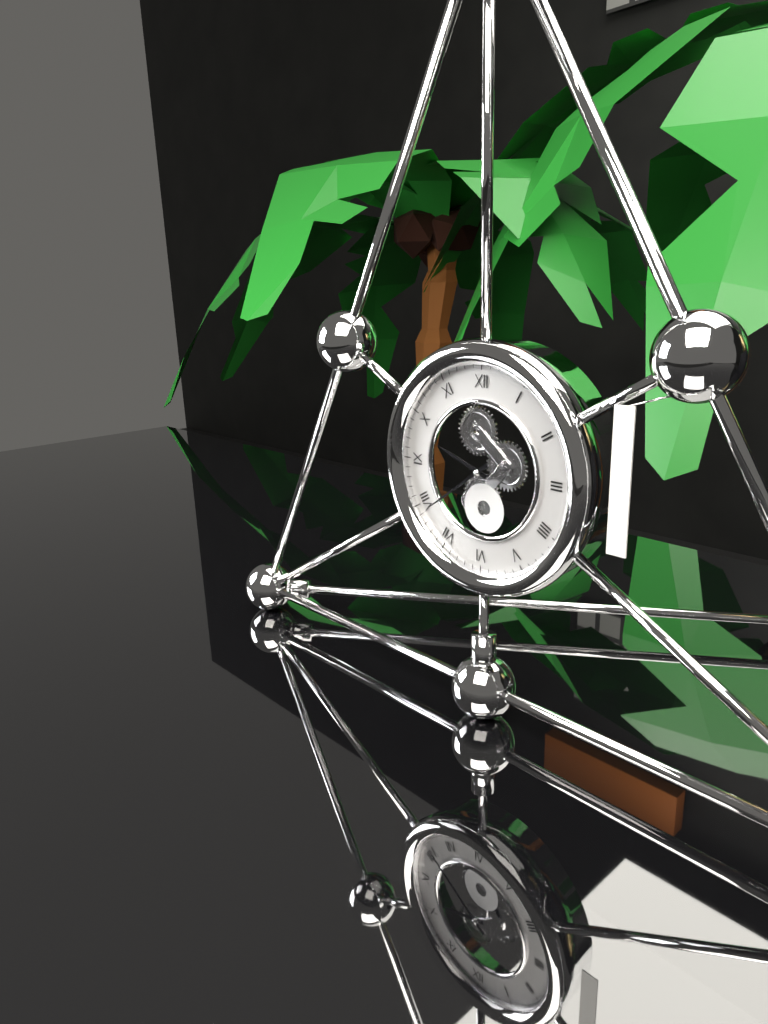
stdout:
{"hour": 9, "minute": 39}
